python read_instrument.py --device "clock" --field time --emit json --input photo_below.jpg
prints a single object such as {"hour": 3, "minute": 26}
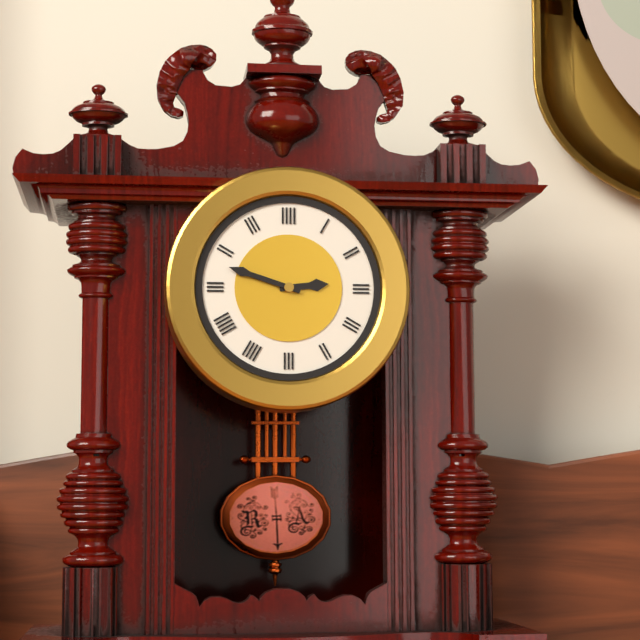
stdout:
{"hour": 2, "minute": 48}
